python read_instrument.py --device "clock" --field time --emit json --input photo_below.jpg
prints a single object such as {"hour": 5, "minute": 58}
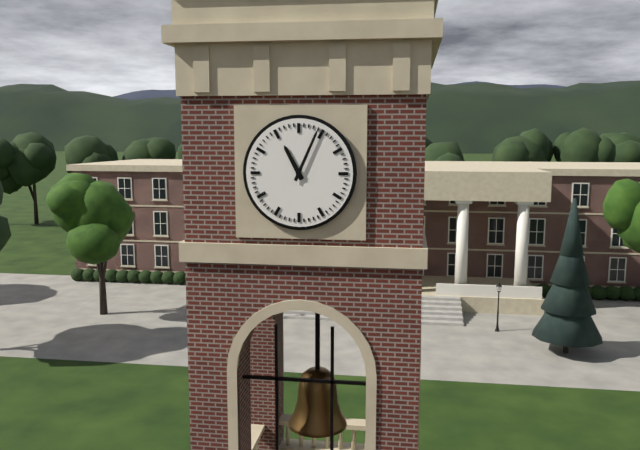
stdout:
{"hour": 11, "minute": 4}
